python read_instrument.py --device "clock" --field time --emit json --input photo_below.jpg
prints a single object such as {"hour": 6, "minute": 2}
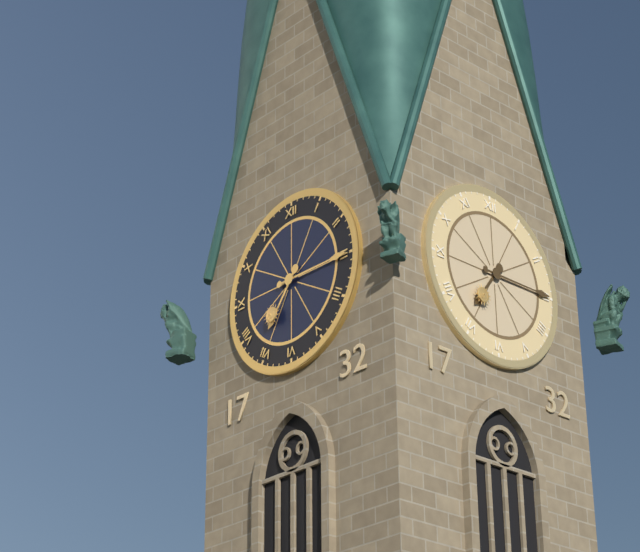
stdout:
{"hour": 7, "minute": 15}
